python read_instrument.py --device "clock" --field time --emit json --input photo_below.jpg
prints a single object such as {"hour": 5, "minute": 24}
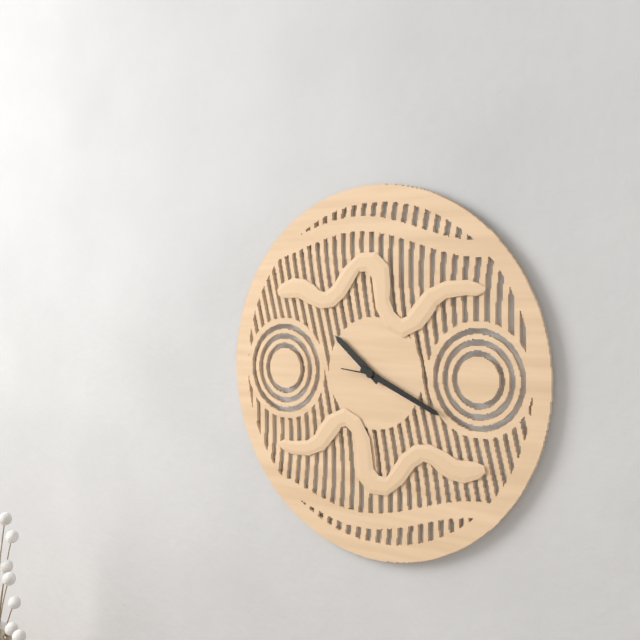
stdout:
{"hour": 10, "minute": 19}
